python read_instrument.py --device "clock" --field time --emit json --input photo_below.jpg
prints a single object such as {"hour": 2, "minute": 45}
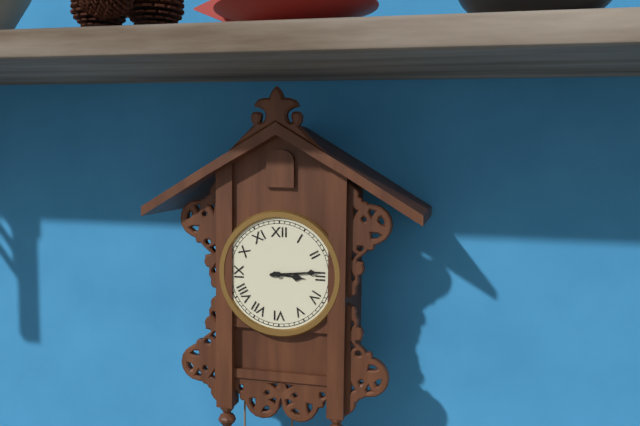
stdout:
{"hour": 3, "minute": 14}
